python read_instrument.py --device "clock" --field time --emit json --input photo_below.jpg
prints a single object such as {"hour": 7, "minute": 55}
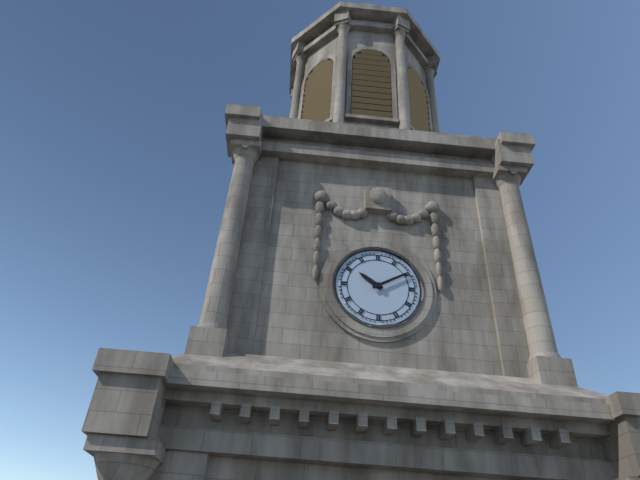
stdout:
{"hour": 10, "minute": 10}
